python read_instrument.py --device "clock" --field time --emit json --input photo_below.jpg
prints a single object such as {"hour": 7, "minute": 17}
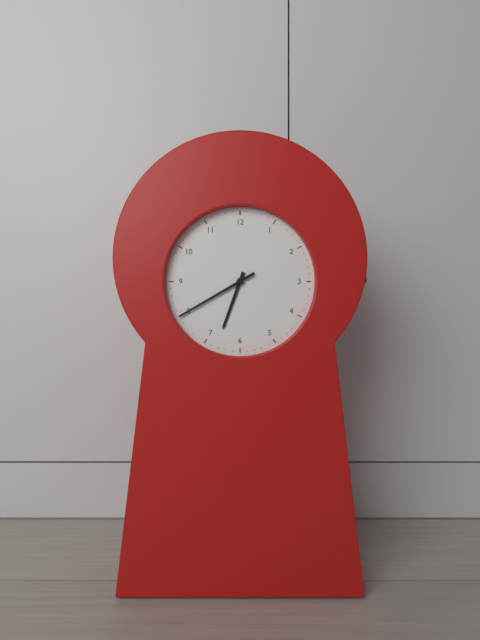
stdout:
{"hour": 6, "minute": 40}
